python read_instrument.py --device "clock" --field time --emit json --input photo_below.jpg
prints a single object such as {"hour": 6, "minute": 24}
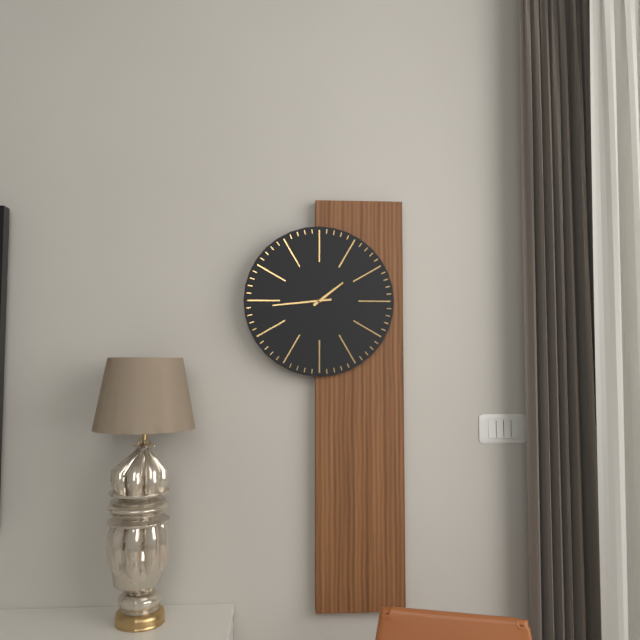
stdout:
{"hour": 1, "minute": 44}
